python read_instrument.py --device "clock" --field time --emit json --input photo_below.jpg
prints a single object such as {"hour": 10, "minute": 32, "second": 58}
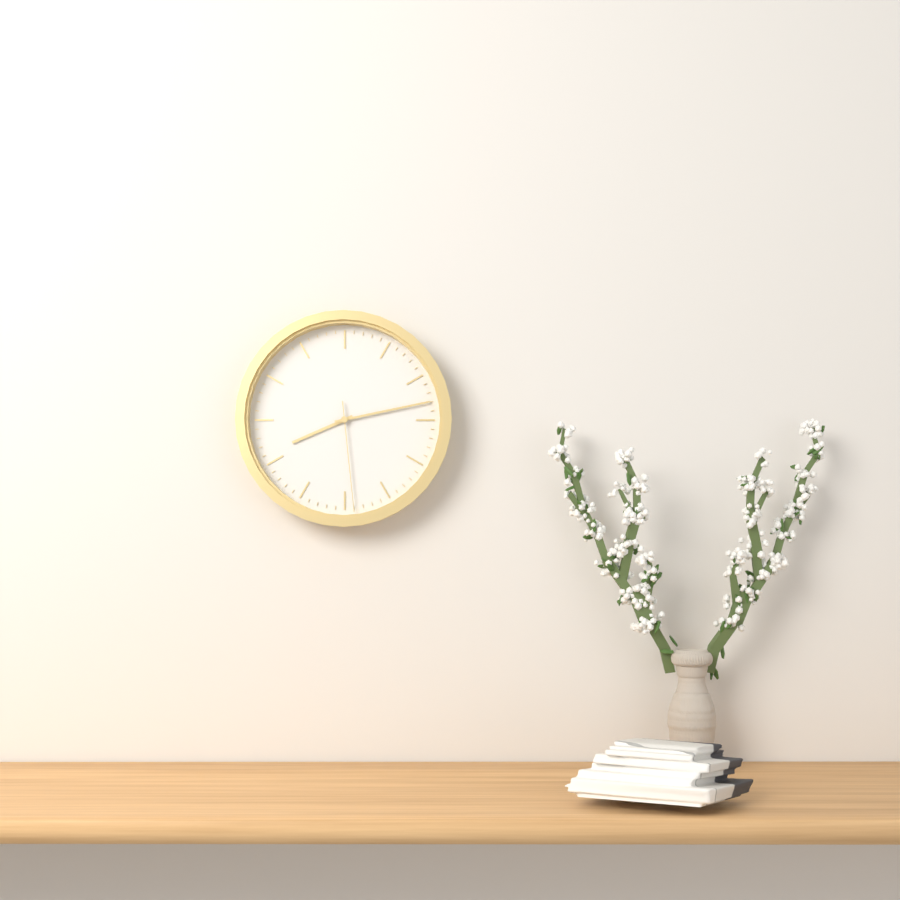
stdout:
{"hour": 8, "minute": 13, "second": 29}
